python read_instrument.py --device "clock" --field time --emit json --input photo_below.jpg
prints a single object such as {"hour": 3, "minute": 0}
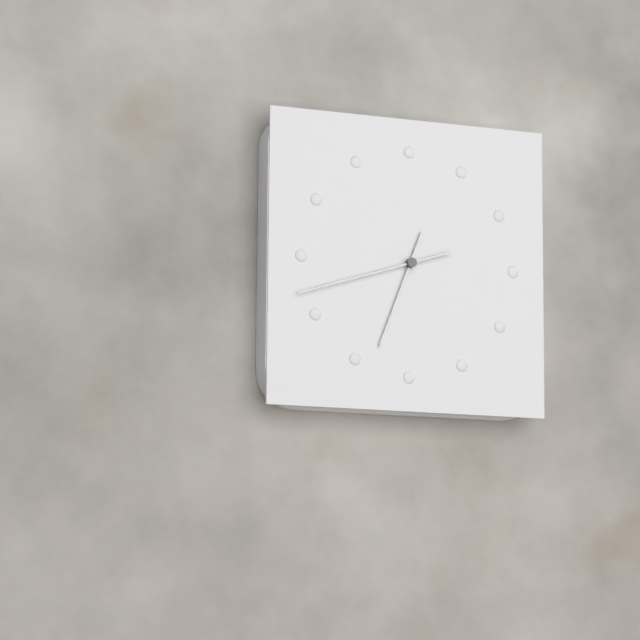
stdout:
{"hour": 6, "minute": 42}
